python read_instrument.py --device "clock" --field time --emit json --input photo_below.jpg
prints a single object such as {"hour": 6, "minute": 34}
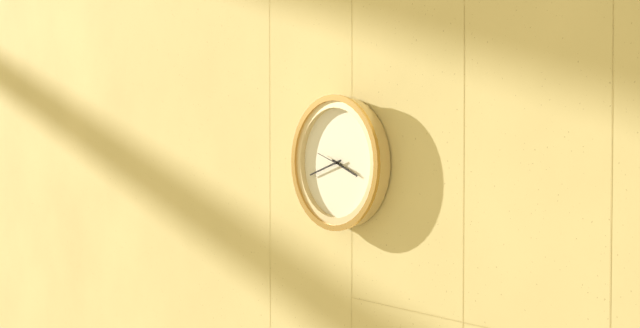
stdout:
{"hour": 3, "minute": 42}
